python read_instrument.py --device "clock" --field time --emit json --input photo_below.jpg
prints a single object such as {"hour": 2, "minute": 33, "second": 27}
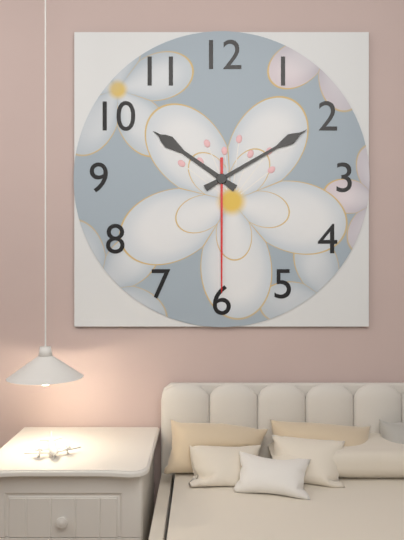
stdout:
{"hour": 10, "minute": 10, "second": 30}
